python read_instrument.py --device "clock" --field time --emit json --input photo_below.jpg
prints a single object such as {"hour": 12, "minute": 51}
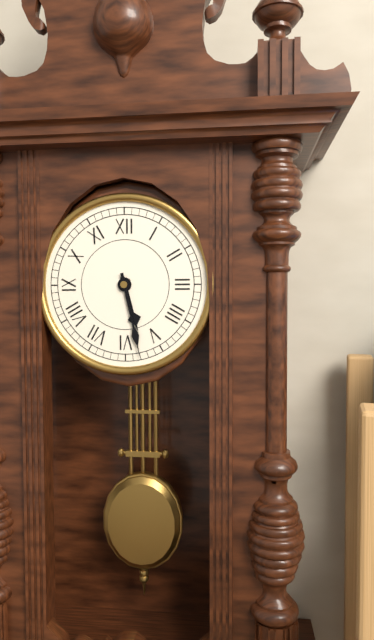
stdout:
{"hour": 5, "minute": 28}
